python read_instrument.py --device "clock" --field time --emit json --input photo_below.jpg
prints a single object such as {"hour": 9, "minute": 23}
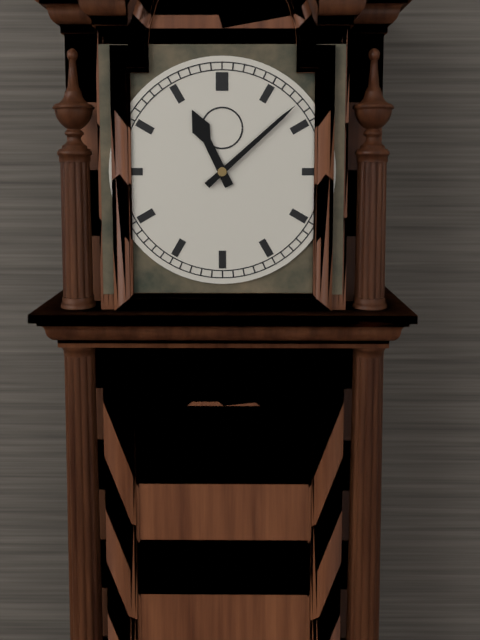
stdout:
{"hour": 11, "minute": 8}
